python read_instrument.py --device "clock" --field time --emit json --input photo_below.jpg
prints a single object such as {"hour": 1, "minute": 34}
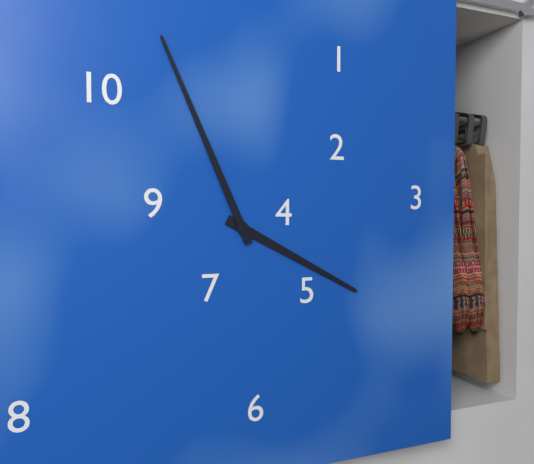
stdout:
{"hour": 3, "minute": 56}
